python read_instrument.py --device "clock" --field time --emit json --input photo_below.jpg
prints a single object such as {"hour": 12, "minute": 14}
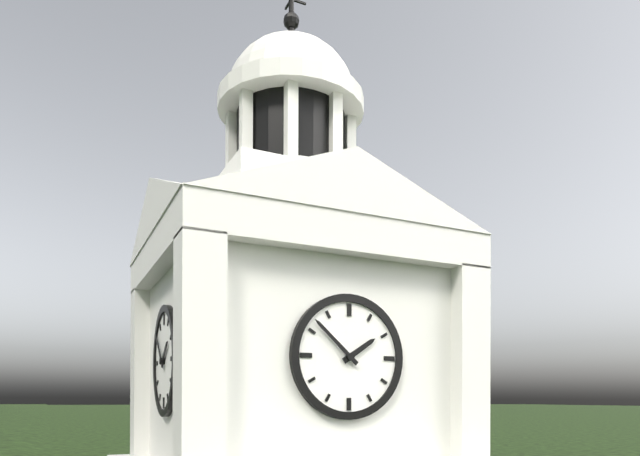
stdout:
{"hour": 1, "minute": 52}
